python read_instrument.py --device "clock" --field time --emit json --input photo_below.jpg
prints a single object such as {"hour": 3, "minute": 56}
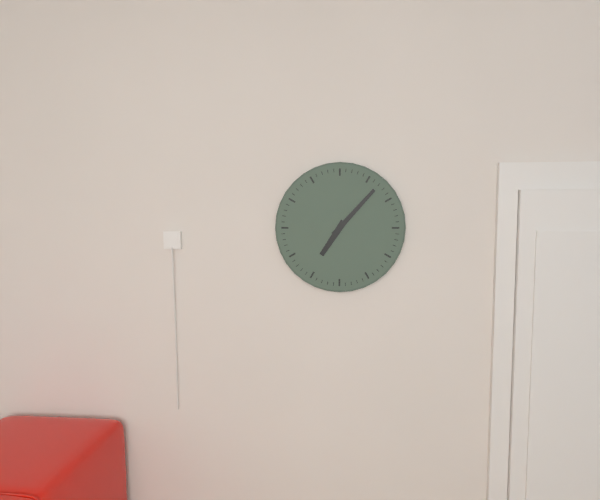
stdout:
{"hour": 7, "minute": 7}
